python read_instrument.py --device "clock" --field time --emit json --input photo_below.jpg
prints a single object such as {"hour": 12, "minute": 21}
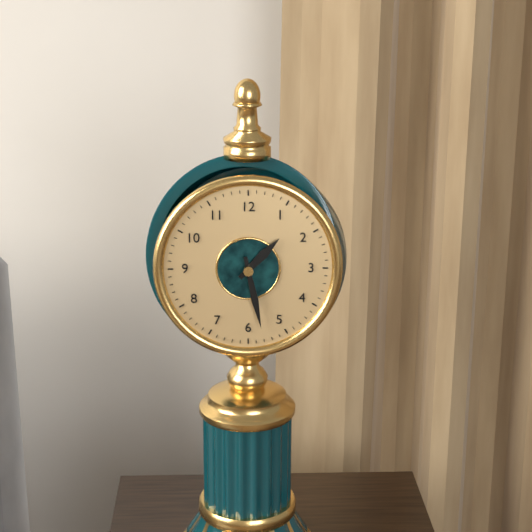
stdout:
{"hour": 1, "minute": 28}
